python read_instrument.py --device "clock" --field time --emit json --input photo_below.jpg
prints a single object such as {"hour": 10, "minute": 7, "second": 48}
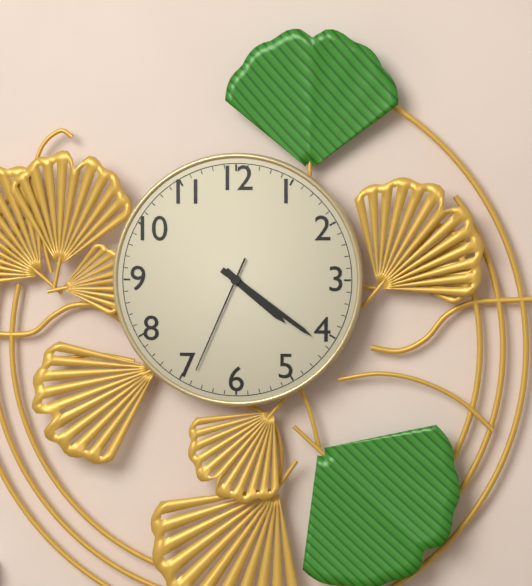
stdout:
{"hour": 4, "minute": 21, "second": 34}
